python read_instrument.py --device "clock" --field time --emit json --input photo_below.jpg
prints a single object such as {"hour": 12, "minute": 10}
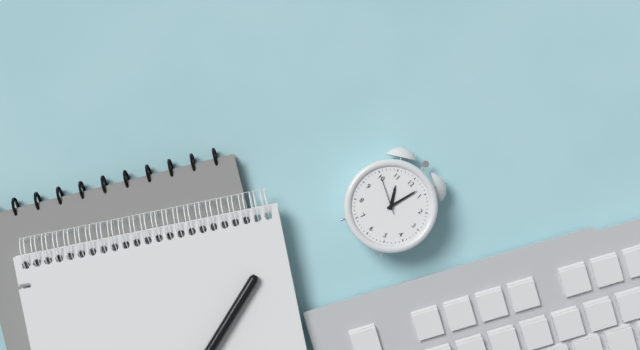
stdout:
{"hour": 11, "minute": 3}
